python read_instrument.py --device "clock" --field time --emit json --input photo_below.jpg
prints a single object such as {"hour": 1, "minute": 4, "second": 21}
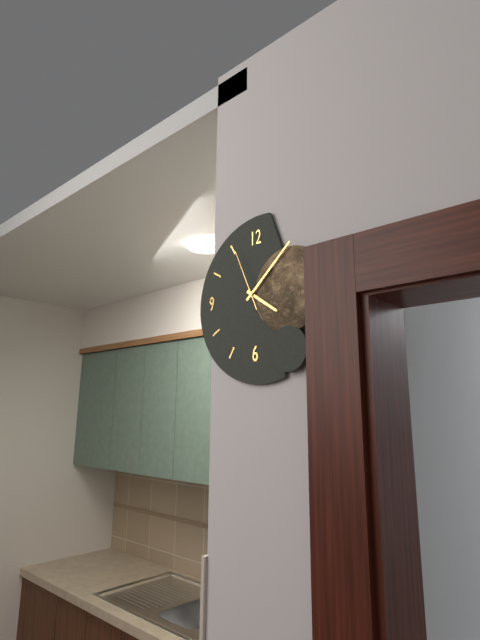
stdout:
{"hour": 4, "minute": 8, "second": 56}
